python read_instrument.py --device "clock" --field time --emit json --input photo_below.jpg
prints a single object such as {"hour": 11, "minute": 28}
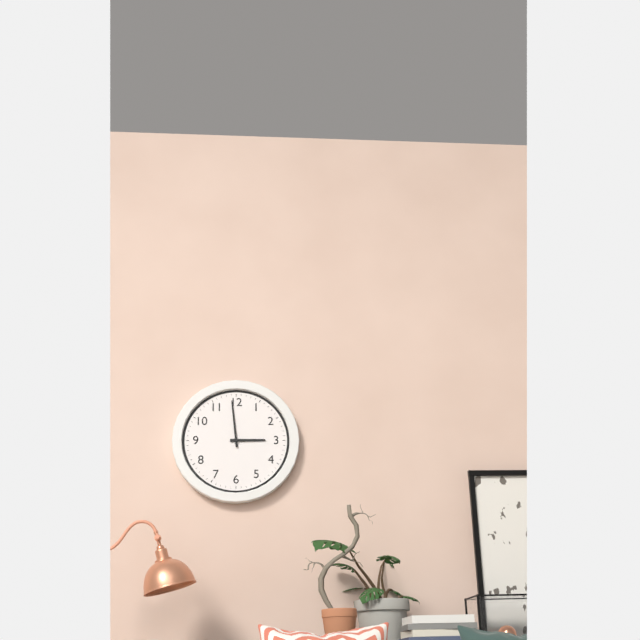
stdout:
{"hour": 2, "minute": 59}
